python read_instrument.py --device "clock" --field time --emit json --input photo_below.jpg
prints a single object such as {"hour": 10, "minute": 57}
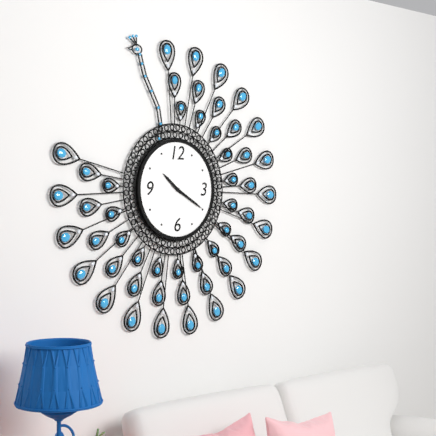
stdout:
{"hour": 10, "minute": 20}
